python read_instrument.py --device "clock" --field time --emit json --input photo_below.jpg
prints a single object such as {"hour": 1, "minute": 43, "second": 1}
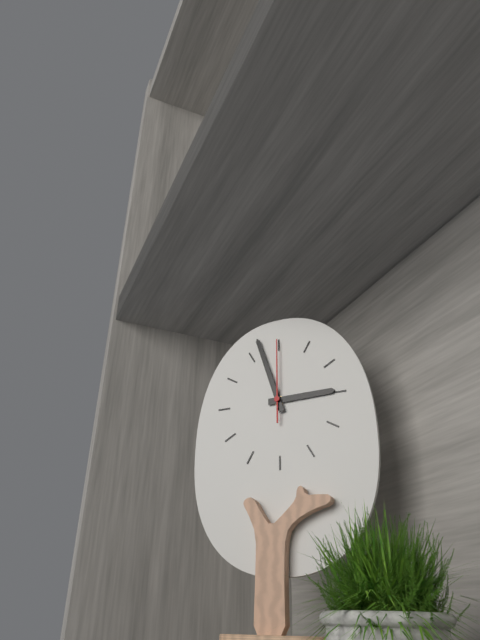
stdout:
{"hour": 2, "minute": 57, "second": 0}
